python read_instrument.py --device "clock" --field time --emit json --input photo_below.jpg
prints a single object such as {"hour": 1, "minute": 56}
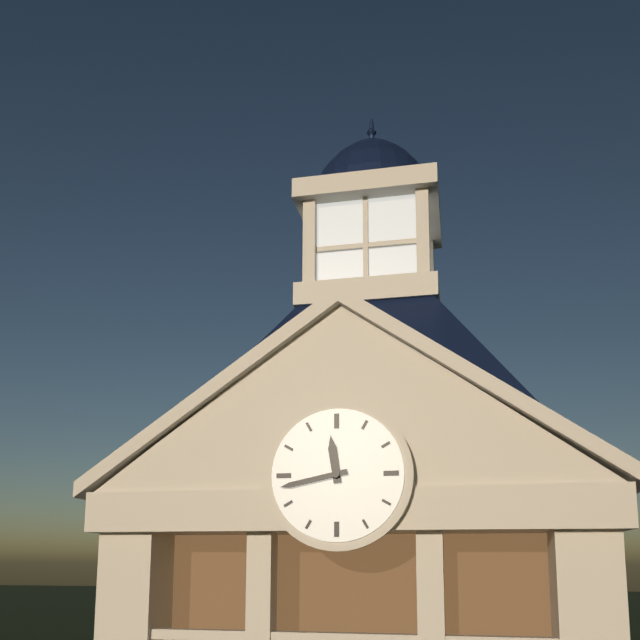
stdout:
{"hour": 11, "minute": 43}
